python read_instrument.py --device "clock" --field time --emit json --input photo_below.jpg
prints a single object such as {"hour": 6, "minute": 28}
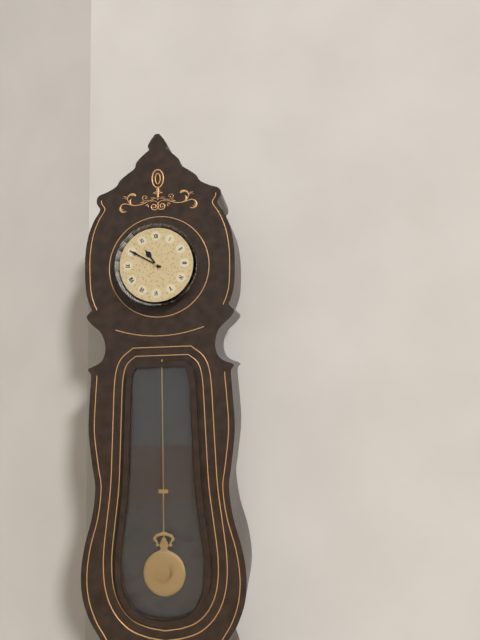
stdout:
{"hour": 10, "minute": 50}
